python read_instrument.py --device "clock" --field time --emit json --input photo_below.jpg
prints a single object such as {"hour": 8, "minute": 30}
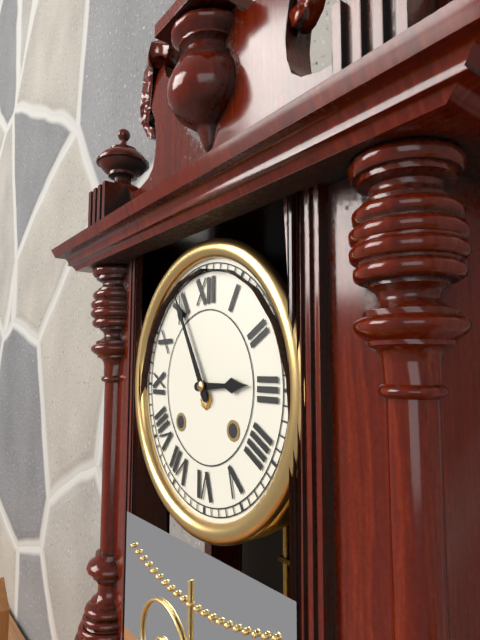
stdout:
{"hour": 2, "minute": 55}
